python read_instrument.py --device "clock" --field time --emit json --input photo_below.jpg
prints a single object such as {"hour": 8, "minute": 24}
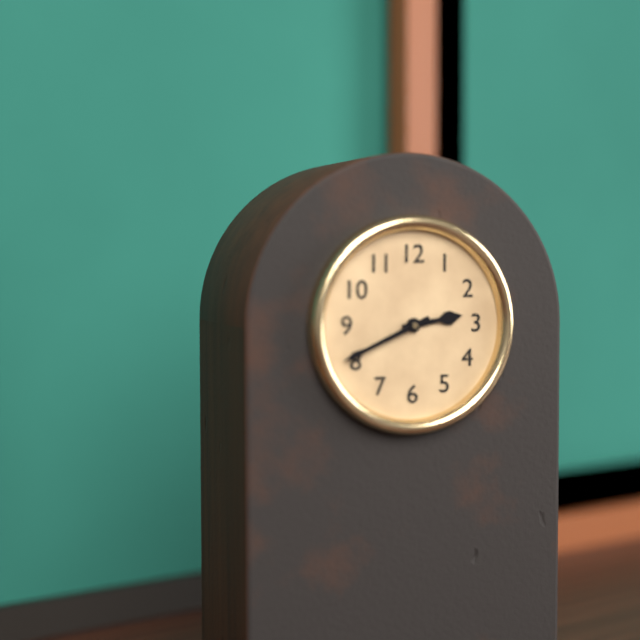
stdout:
{"hour": 2, "minute": 41}
